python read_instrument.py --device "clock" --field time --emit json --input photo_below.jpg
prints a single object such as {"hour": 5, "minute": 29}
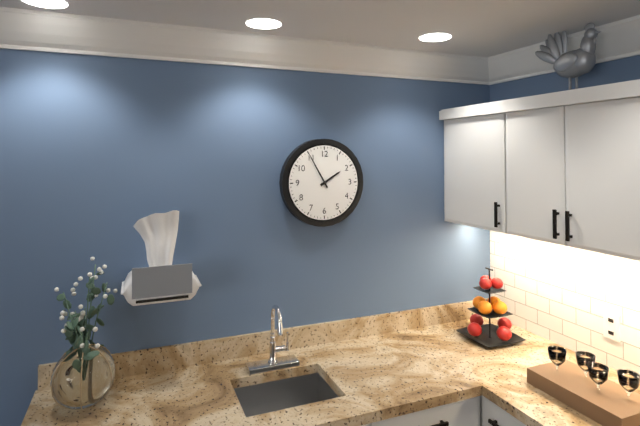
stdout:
{"hour": 1, "minute": 55}
